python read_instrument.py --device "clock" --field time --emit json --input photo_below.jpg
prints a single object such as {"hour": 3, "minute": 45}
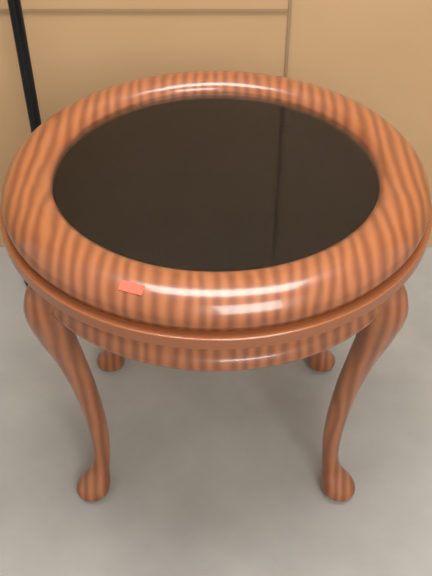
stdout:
{"hour": 11, "minute": 18}
